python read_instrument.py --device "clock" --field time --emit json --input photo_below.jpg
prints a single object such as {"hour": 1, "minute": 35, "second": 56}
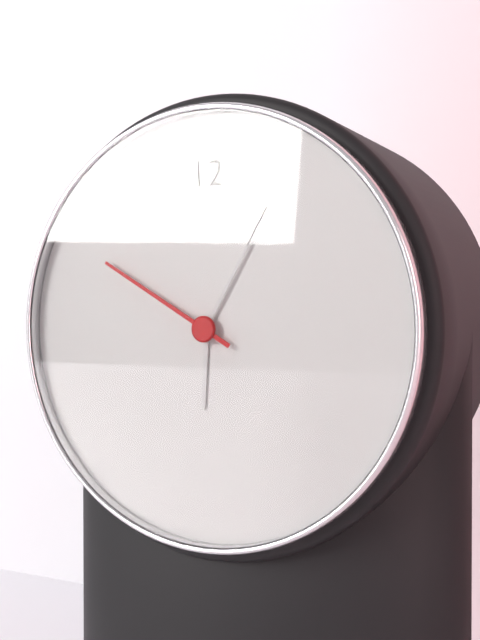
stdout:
{"hour": 6, "minute": 5, "second": 50}
